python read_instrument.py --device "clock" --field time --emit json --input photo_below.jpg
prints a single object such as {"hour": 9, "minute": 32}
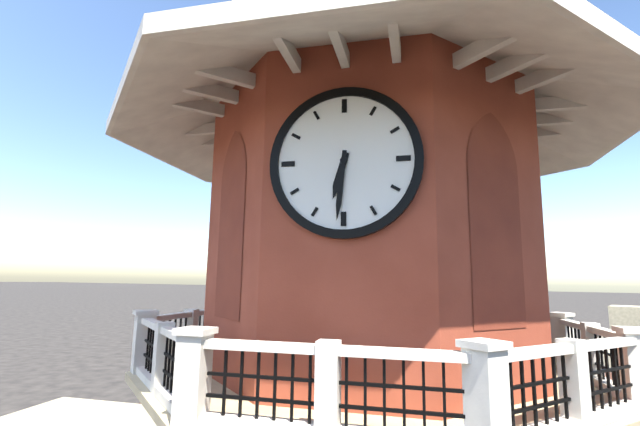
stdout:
{"hour": 6, "minute": 31}
